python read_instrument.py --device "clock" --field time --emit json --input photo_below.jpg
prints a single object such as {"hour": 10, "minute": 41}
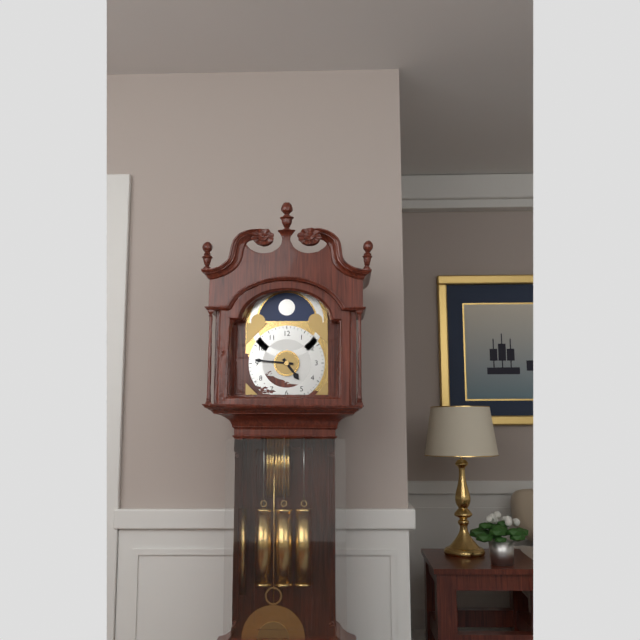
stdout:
{"hour": 4, "minute": 46}
